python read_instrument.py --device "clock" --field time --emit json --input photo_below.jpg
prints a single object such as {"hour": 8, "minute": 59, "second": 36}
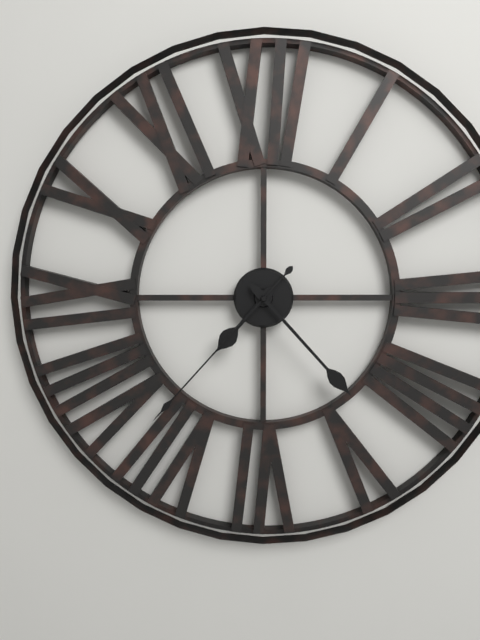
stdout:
{"hour": 7, "minute": 23, "second": 37}
